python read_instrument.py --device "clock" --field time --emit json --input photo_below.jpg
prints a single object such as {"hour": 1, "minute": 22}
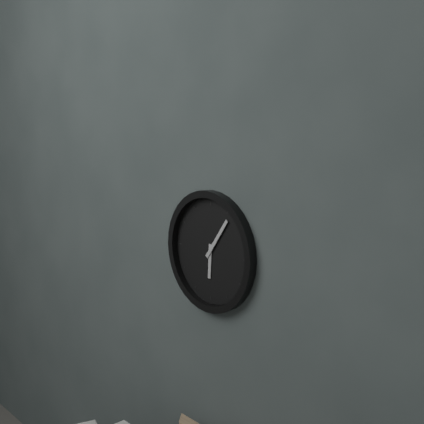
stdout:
{"hour": 6, "minute": 6}
